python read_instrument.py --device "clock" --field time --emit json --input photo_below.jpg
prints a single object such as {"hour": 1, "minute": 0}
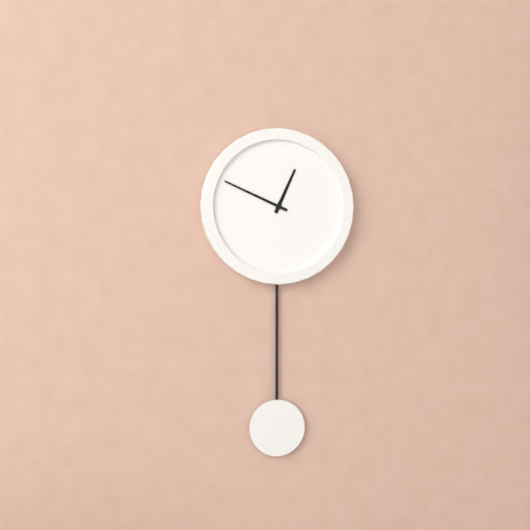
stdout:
{"hour": 12, "minute": 49}
